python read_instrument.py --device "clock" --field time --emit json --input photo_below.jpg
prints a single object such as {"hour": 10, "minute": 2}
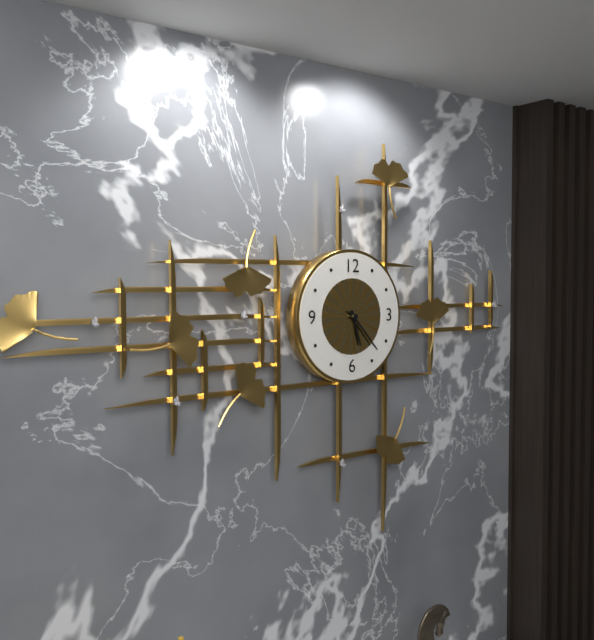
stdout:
{"hour": 5, "minute": 23}
